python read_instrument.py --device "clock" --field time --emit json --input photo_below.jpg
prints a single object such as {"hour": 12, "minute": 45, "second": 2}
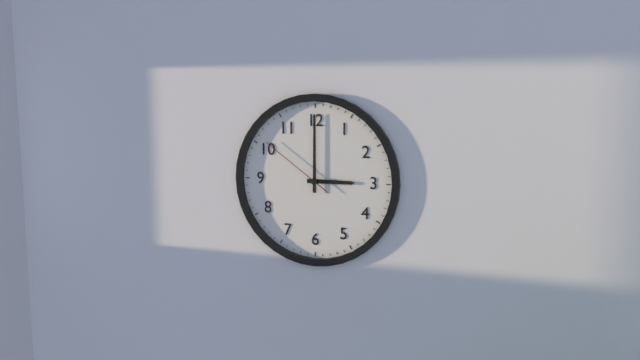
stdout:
{"hour": 3, "minute": 0, "second": 51}
